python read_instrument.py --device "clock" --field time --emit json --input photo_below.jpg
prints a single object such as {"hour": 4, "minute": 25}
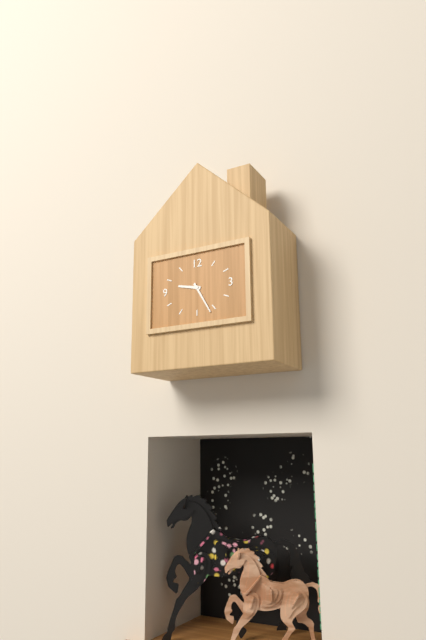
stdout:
{"hour": 9, "minute": 25}
